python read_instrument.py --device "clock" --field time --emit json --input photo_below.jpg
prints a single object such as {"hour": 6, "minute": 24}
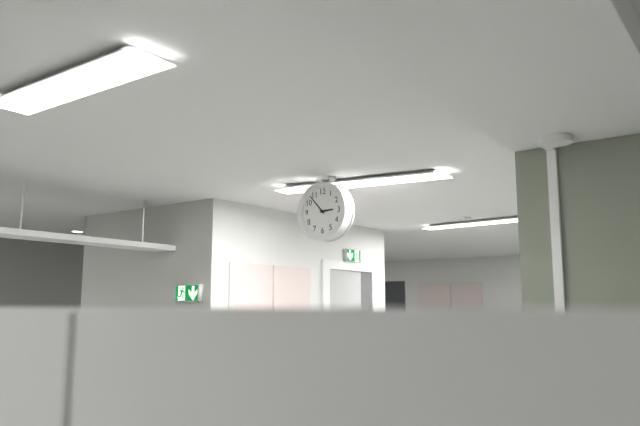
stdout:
{"hour": 2, "minute": 53}
